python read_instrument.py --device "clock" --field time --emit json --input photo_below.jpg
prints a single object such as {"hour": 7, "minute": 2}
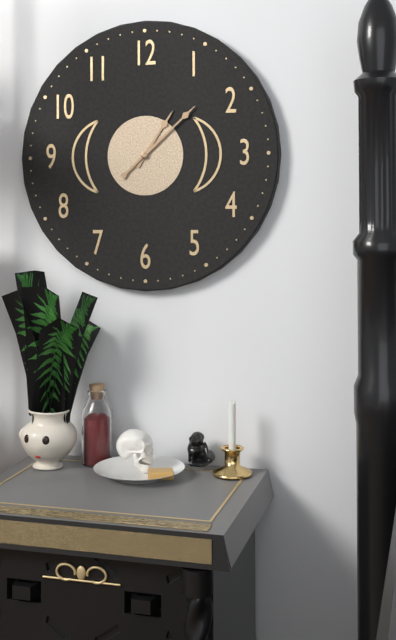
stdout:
{"hour": 1, "minute": 8}
